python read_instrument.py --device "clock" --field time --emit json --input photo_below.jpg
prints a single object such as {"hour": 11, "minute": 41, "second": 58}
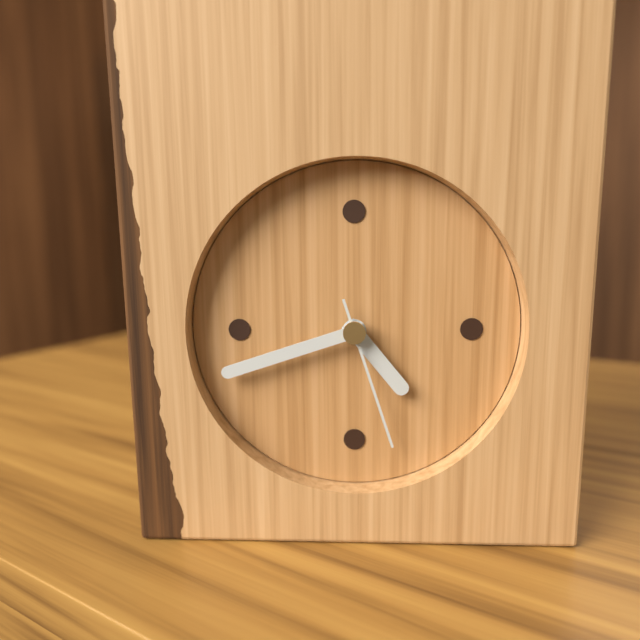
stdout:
{"hour": 4, "minute": 42, "second": 27}
